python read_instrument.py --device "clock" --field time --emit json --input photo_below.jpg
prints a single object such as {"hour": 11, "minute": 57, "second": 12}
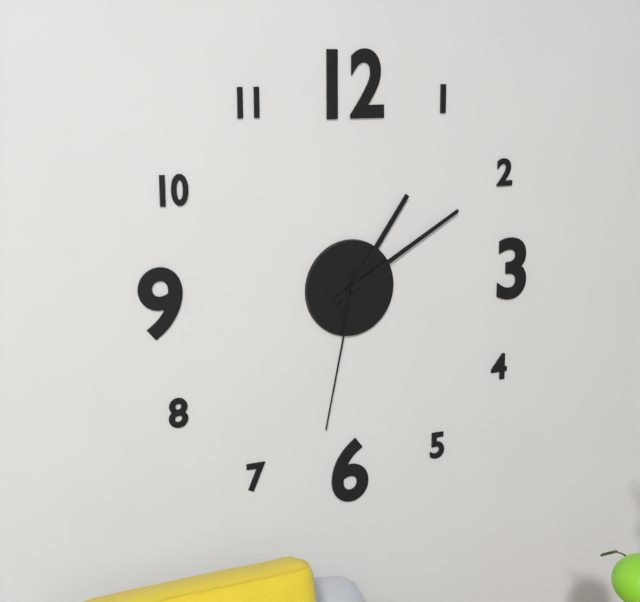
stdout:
{"hour": 1, "minute": 10, "second": 32}
